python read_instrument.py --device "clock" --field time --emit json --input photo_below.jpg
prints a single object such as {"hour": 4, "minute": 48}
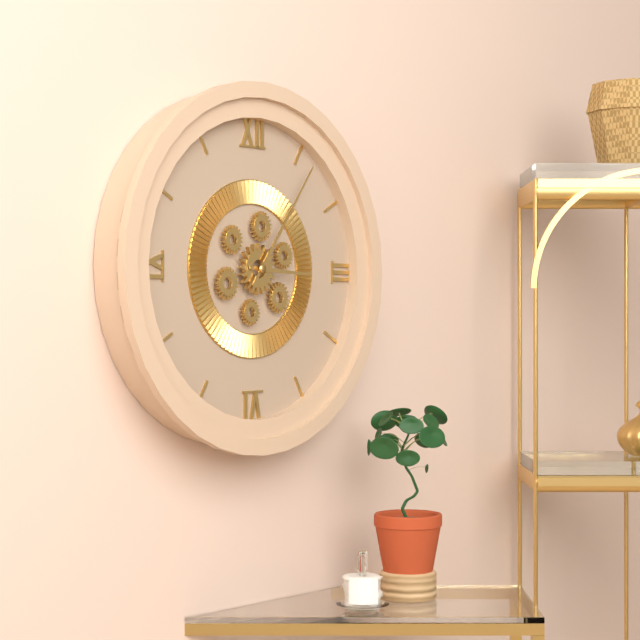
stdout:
{"hour": 3, "minute": 6}
